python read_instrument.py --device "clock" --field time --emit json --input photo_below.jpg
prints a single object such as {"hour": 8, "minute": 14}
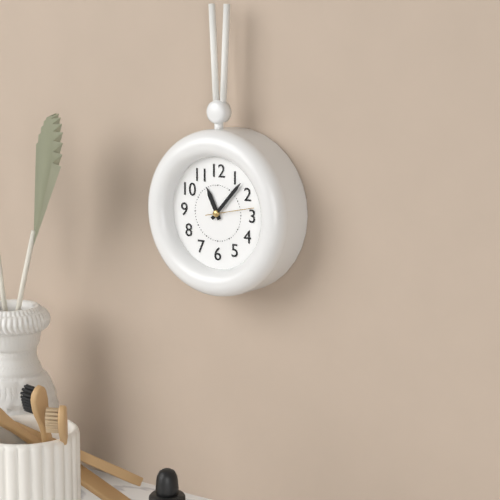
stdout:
{"hour": 11, "minute": 7}
